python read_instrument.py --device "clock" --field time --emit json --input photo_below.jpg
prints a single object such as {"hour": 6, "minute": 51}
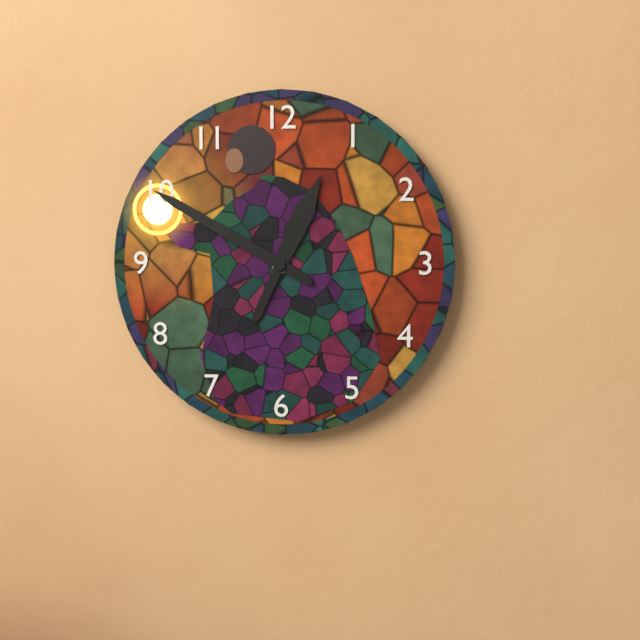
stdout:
{"hour": 12, "minute": 50}
